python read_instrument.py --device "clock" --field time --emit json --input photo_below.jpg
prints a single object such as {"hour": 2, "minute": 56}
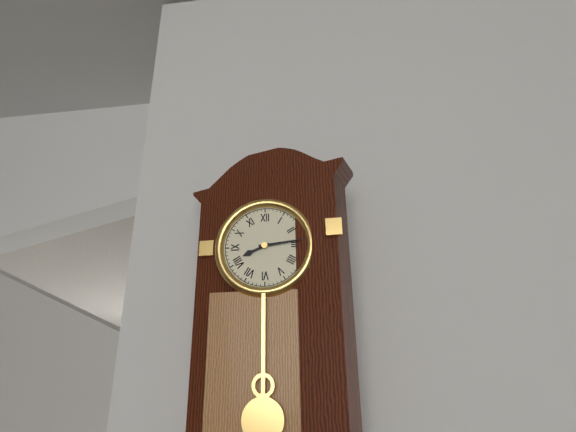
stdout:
{"hour": 8, "minute": 14}
